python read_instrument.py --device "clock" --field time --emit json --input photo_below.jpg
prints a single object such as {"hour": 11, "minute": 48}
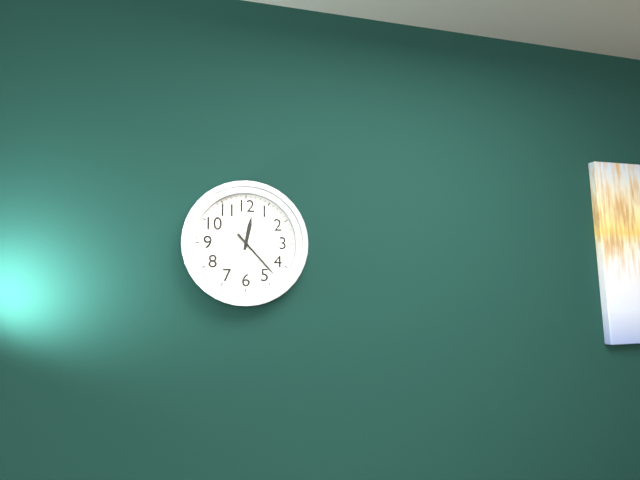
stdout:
{"hour": 12, "minute": 23}
